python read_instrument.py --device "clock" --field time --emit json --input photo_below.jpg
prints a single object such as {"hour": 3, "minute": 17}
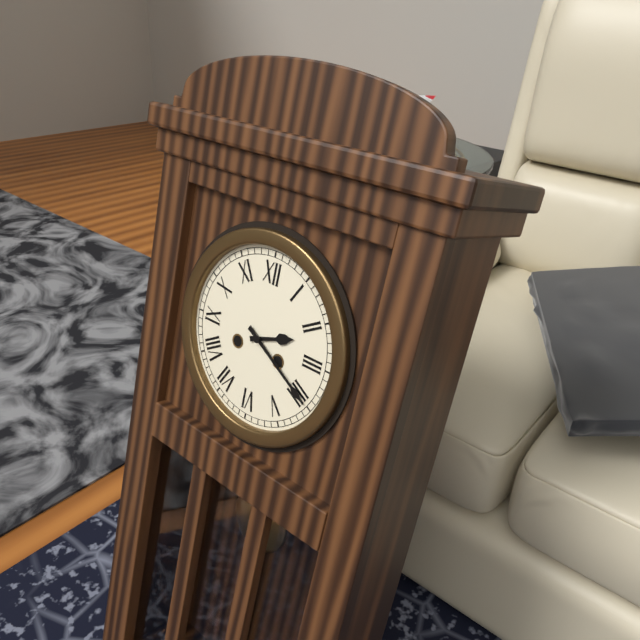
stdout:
{"hour": 2, "minute": 20}
